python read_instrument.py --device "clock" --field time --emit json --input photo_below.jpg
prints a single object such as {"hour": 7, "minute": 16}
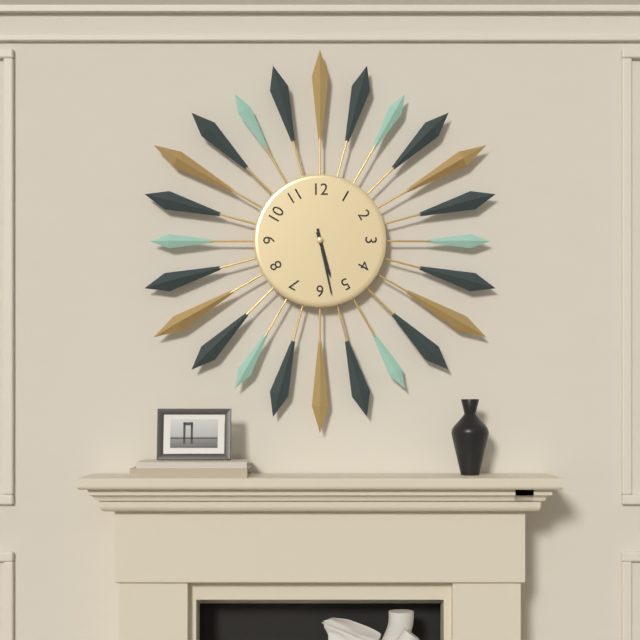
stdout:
{"hour": 5, "minute": 28}
